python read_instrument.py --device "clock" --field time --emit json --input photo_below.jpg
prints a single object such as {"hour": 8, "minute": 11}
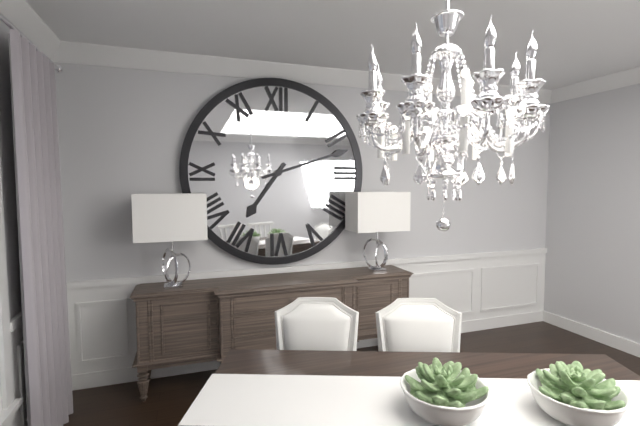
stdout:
{"hour": 7, "minute": 12}
